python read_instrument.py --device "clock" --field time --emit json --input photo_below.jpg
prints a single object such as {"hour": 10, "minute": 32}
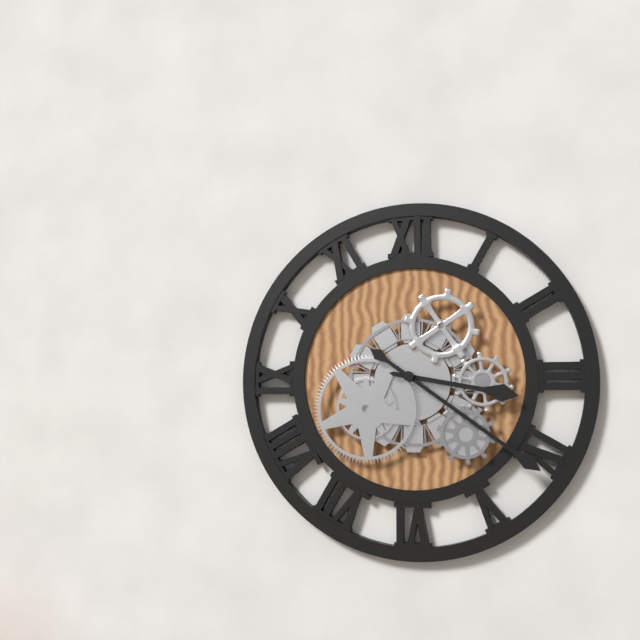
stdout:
{"hour": 3, "minute": 21}
